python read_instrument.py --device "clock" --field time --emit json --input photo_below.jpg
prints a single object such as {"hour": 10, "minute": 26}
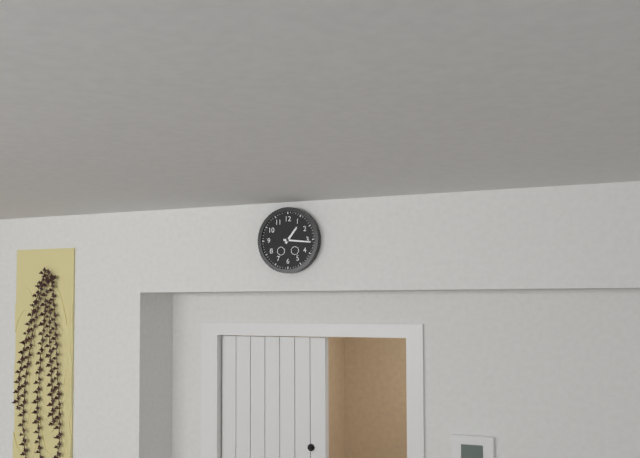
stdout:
{"hour": 1, "minute": 16}
